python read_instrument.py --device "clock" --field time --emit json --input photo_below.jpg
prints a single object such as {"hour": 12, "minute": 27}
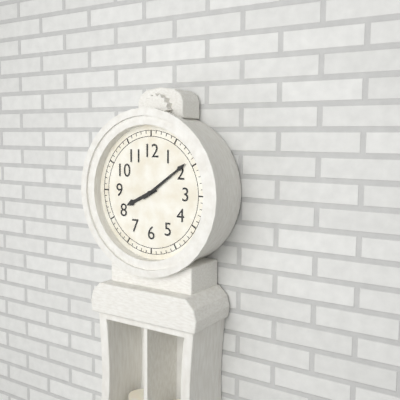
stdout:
{"hour": 8, "minute": 9}
